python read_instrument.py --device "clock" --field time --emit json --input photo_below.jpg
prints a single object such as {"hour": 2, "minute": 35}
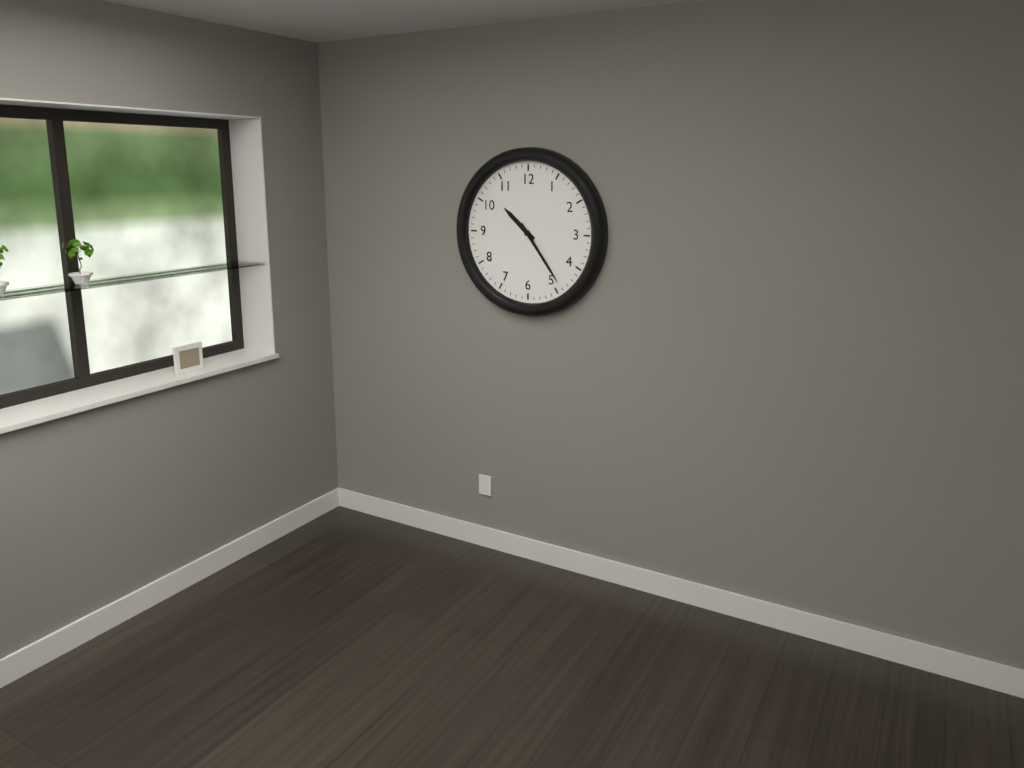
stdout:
{"hour": 10, "minute": 24}
